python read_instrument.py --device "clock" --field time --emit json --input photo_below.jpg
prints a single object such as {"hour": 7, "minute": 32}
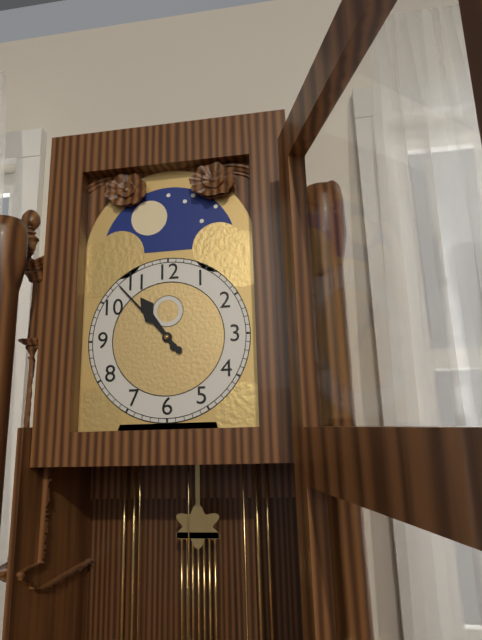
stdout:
{"hour": 10, "minute": 53}
